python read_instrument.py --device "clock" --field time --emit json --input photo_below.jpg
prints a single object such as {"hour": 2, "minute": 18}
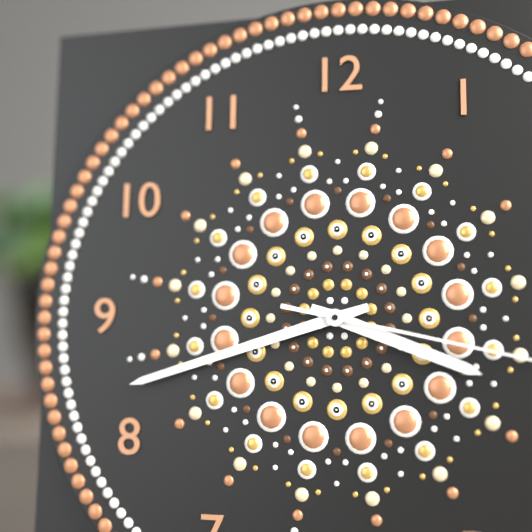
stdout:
{"hour": 3, "minute": 42}
